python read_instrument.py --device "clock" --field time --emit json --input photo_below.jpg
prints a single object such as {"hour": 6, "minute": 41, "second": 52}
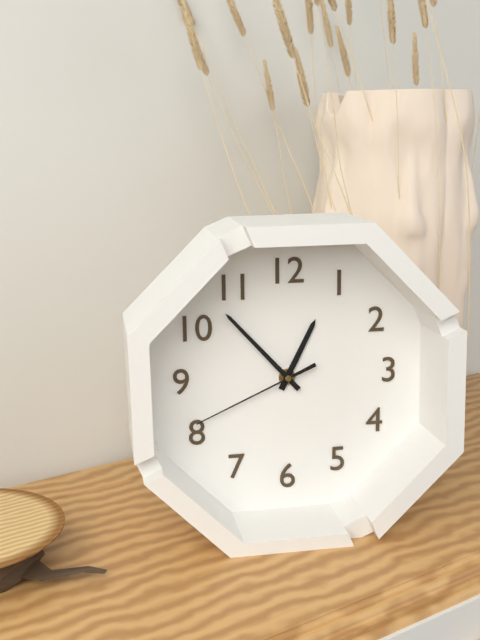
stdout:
{"hour": 12, "minute": 53, "second": 41}
